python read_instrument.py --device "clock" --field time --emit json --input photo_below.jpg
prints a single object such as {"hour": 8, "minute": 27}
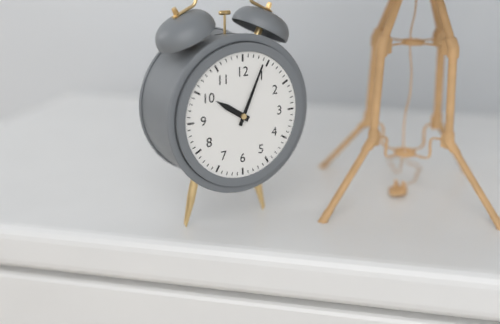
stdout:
{"hour": 10, "minute": 4}
